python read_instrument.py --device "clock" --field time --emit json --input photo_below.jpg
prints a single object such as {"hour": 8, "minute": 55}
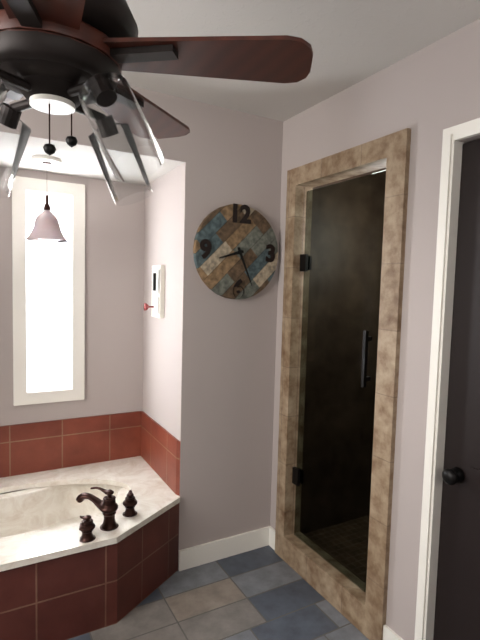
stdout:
{"hour": 8, "minute": 26}
